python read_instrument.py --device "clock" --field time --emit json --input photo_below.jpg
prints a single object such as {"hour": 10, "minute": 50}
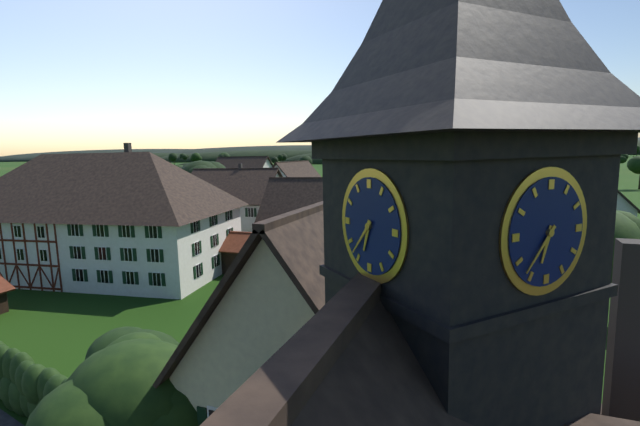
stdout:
{"hour": 6, "minute": 37}
